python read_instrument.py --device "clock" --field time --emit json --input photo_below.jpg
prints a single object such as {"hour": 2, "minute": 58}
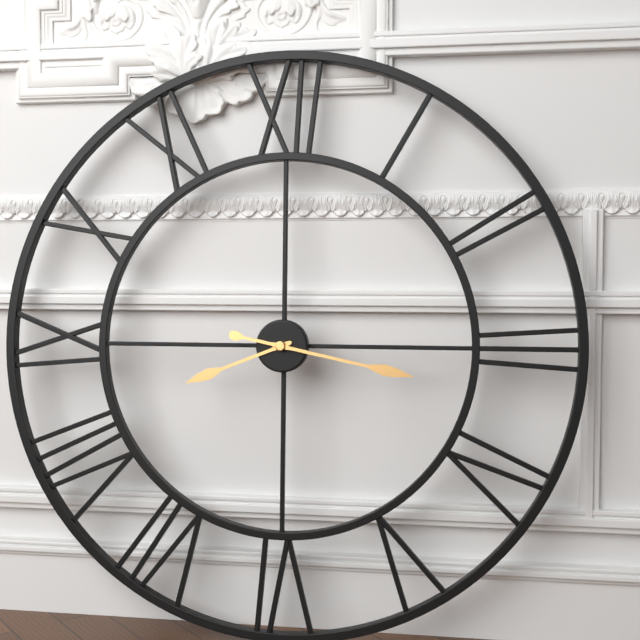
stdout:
{"hour": 8, "minute": 17}
